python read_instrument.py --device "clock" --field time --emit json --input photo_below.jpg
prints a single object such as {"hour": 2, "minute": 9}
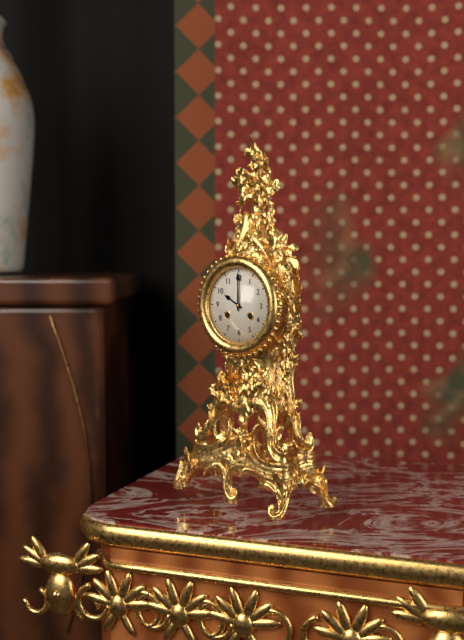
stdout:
{"hour": 10, "minute": 0}
